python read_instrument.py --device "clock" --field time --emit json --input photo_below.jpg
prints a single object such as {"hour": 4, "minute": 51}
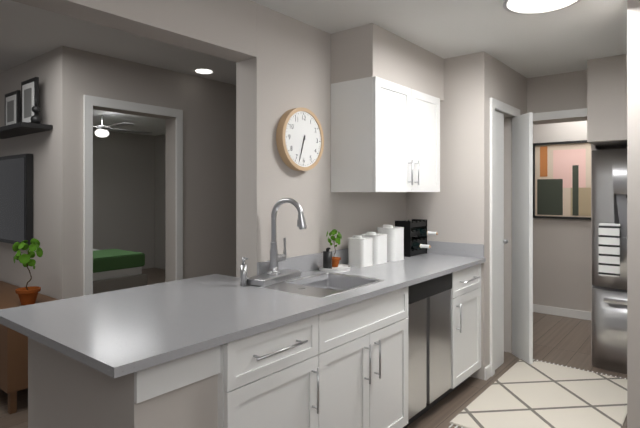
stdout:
{"hour": 6, "minute": 33}
